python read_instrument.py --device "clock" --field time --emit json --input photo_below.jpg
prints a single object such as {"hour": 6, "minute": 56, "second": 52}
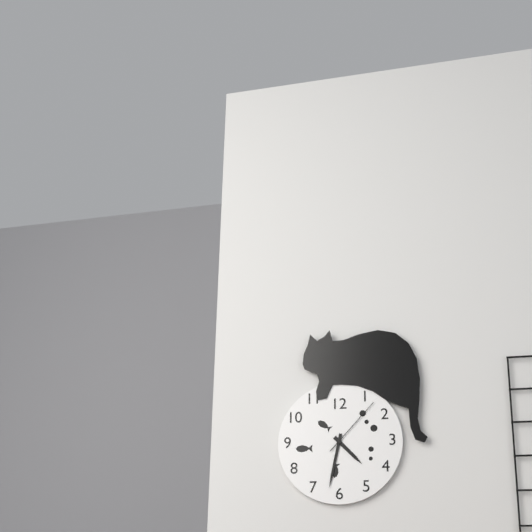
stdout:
{"hour": 4, "minute": 32, "second": 7}
